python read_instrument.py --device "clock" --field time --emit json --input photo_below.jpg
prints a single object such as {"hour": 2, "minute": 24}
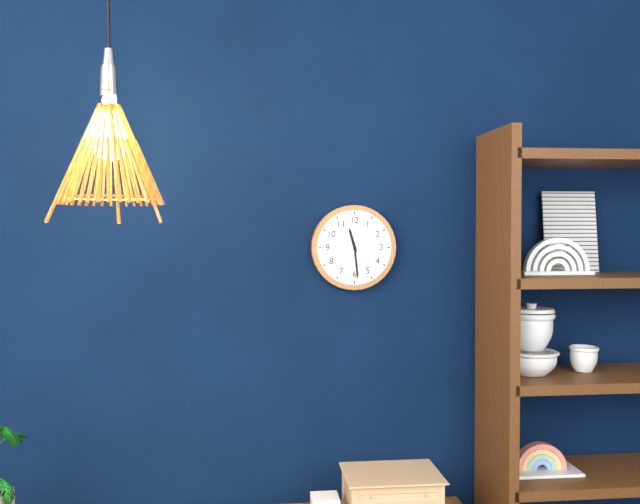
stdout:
{"hour": 11, "minute": 29}
